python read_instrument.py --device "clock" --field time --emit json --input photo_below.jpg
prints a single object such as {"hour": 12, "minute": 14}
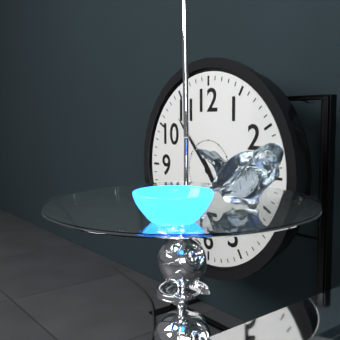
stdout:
{"hour": 4, "minute": 53}
